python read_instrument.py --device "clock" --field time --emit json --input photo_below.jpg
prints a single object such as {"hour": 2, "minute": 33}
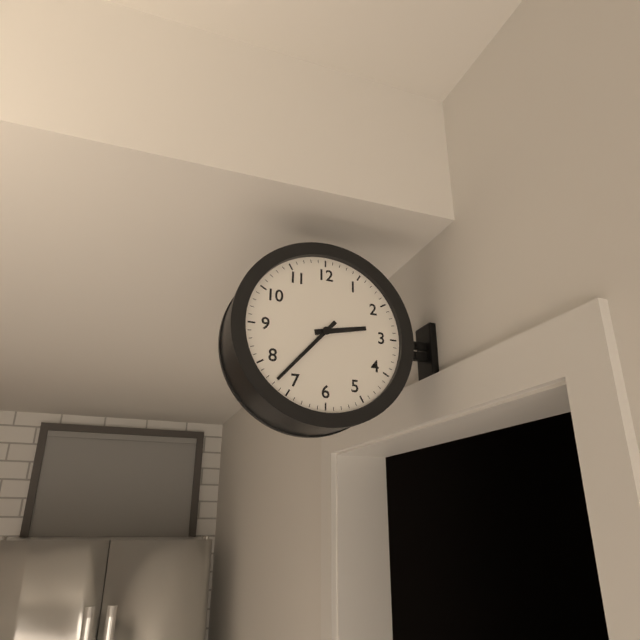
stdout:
{"hour": 2, "minute": 37}
